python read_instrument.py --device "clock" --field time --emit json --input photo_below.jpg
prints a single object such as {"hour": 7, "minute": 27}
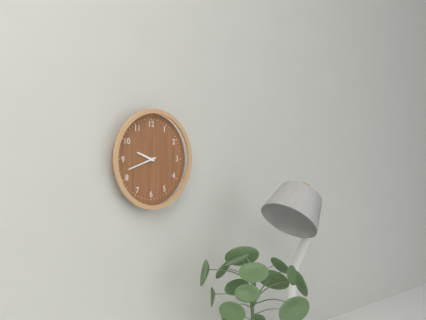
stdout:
{"hour": 9, "minute": 42}
